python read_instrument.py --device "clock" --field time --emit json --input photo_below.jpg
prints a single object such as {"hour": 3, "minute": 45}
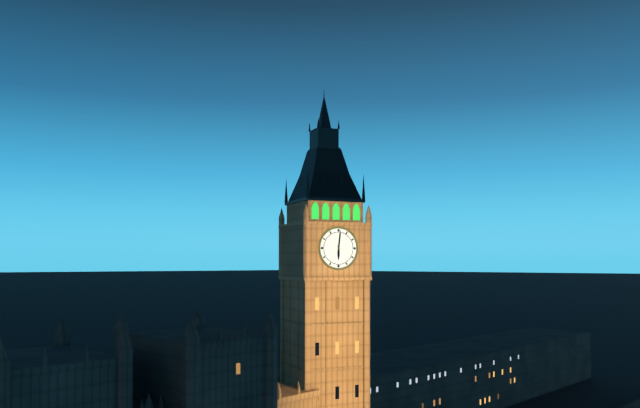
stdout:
{"hour": 6, "minute": 1}
